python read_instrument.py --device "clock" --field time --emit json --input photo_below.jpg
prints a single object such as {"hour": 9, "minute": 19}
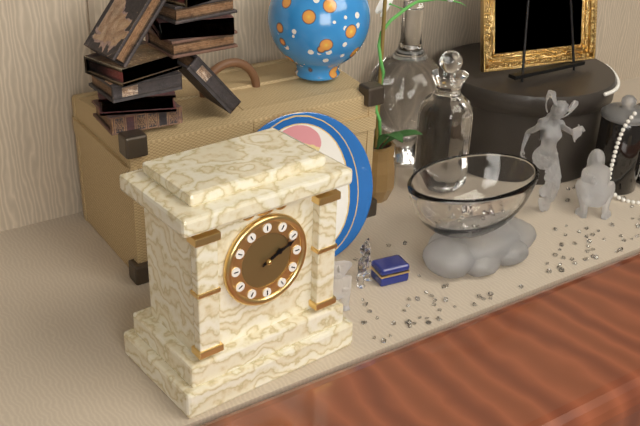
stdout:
{"hour": 2, "minute": 11}
